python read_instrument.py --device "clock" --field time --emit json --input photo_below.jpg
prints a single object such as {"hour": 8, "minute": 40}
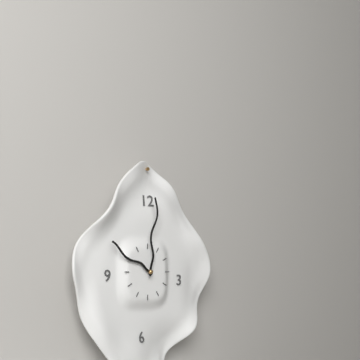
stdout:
{"hour": 10, "minute": 1}
